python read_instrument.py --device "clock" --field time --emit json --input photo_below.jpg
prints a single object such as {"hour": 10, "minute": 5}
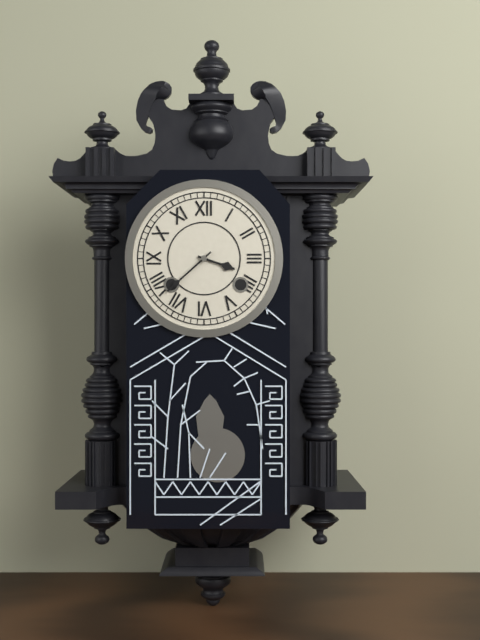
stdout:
{"hour": 3, "minute": 38}
